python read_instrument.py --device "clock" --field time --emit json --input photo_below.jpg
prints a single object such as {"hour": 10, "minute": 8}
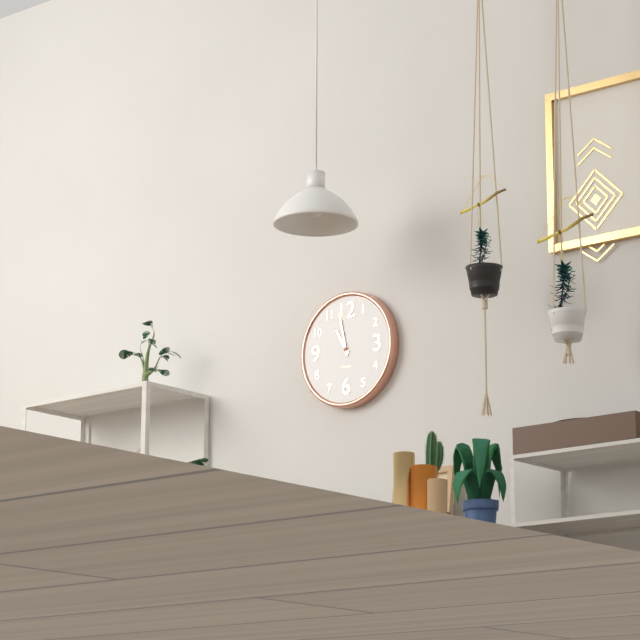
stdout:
{"hour": 10, "minute": 58}
